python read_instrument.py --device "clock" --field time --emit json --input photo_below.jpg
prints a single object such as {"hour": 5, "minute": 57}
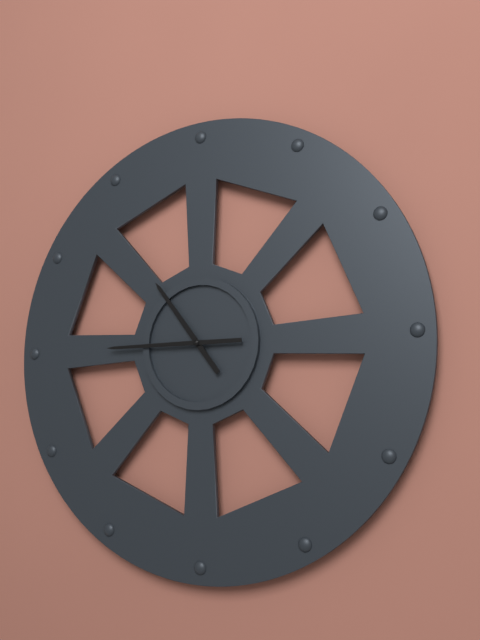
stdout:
{"hour": 10, "minute": 45}
